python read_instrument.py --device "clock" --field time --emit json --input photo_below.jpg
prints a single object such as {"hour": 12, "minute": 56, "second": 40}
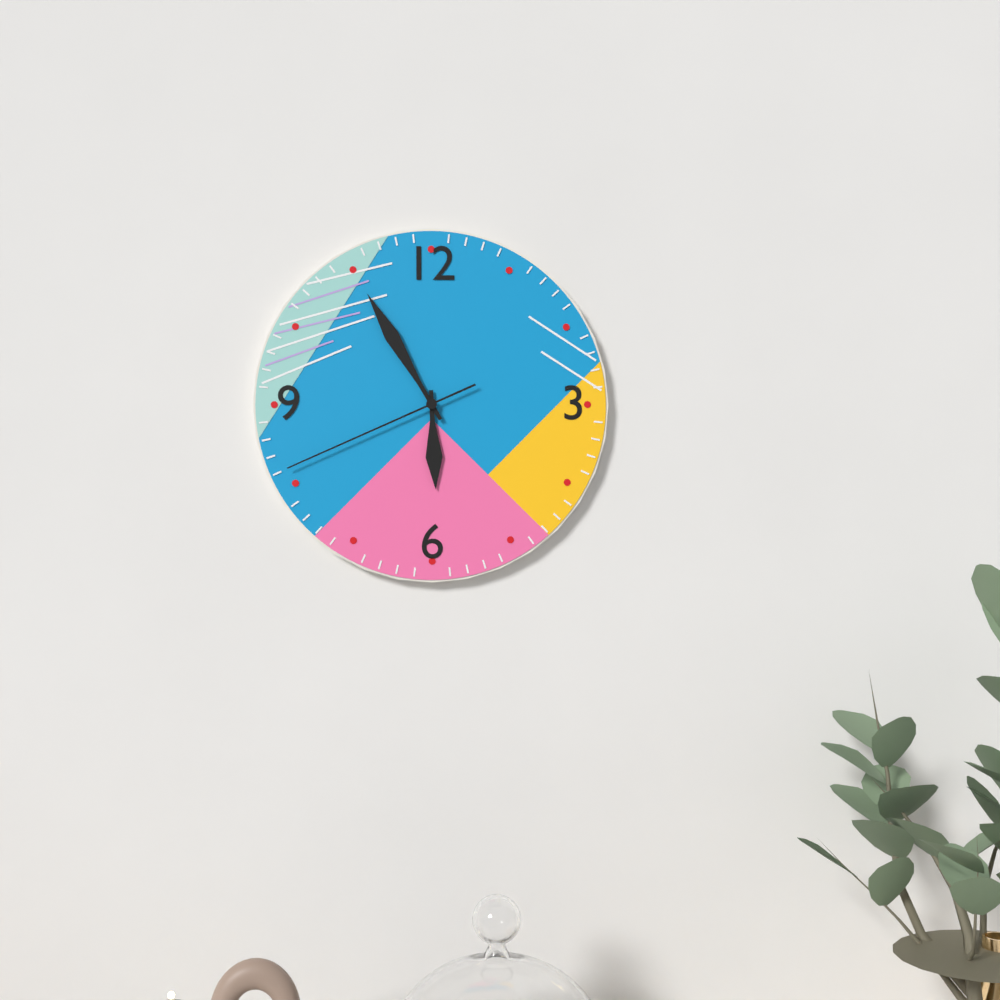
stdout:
{"hour": 5, "minute": 55, "second": 41}
